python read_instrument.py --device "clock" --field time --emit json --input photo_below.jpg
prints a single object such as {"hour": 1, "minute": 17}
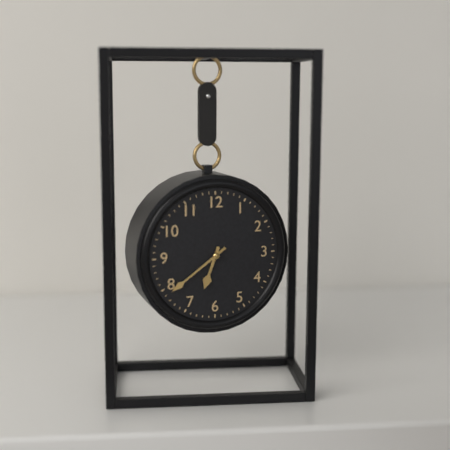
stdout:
{"hour": 6, "minute": 39}
